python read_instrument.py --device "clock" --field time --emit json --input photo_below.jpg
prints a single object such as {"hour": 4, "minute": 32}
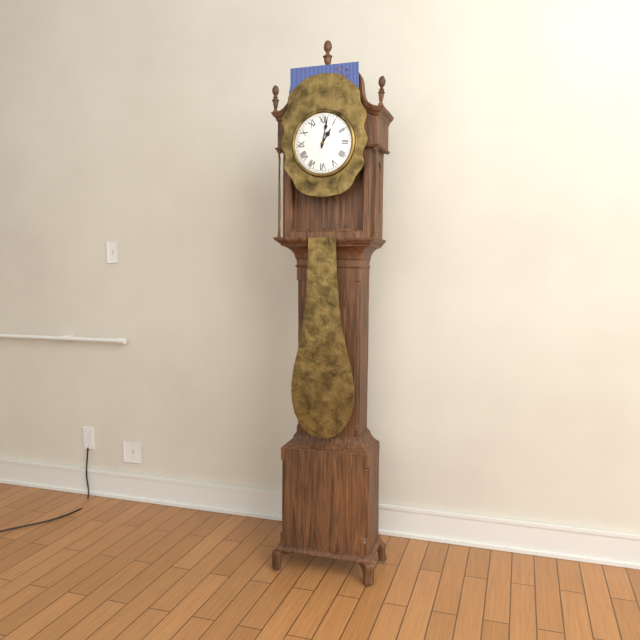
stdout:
{"hour": 1, "minute": 2}
